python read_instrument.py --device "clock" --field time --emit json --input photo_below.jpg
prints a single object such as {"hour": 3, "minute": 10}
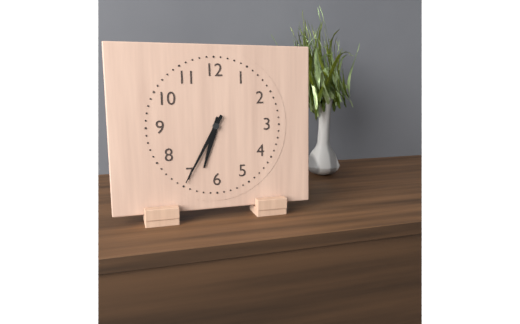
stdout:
{"hour": 6, "minute": 35}
